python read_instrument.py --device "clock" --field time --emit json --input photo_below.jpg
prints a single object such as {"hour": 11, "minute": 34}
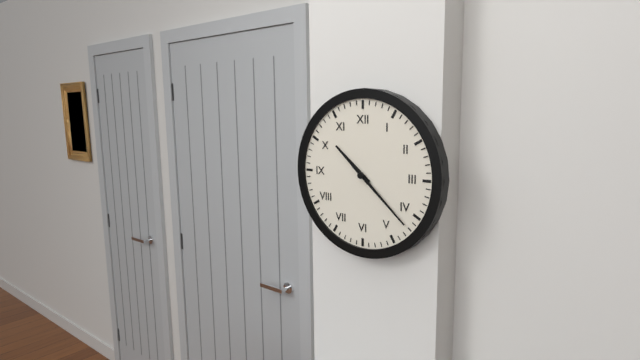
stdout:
{"hour": 10, "minute": 22}
